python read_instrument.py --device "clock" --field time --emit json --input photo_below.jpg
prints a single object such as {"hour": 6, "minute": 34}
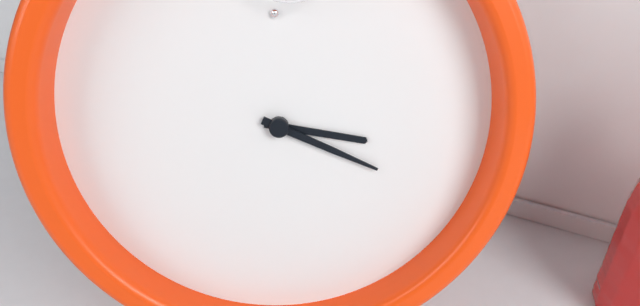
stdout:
{"hour": 3, "minute": 19}
